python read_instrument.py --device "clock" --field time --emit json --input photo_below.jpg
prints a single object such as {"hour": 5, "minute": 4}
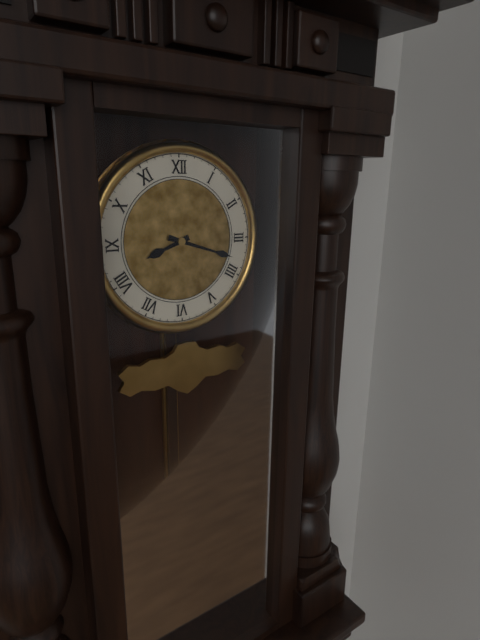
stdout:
{"hour": 8, "minute": 18}
